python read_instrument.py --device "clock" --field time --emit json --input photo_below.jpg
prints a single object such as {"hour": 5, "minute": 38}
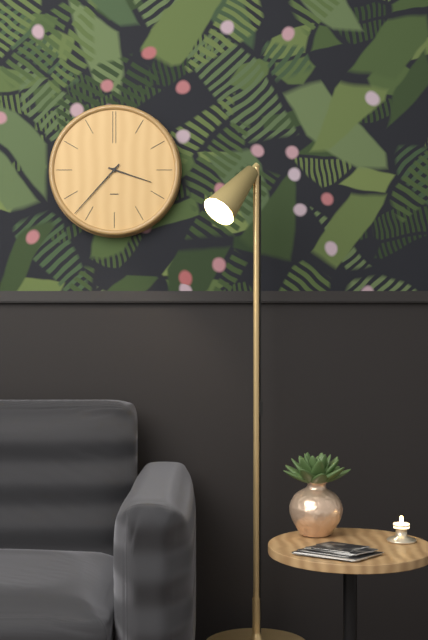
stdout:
{"hour": 3, "minute": 37}
